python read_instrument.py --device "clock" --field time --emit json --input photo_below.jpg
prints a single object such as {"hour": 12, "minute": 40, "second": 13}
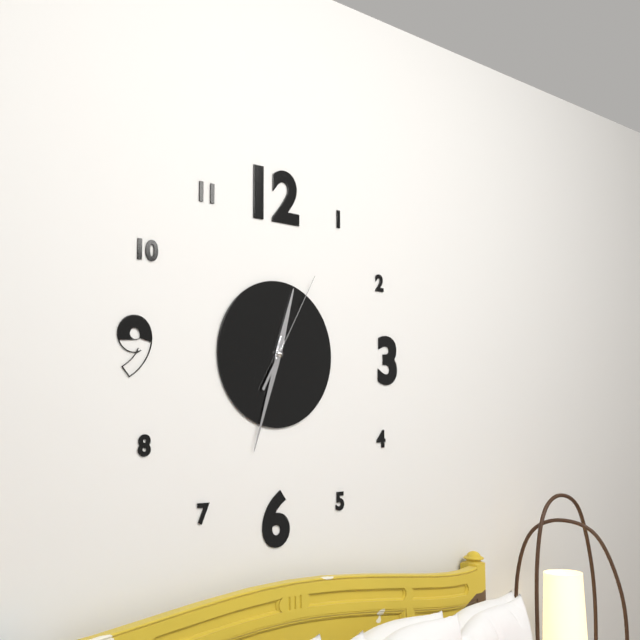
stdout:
{"hour": 12, "minute": 33, "second": 5}
